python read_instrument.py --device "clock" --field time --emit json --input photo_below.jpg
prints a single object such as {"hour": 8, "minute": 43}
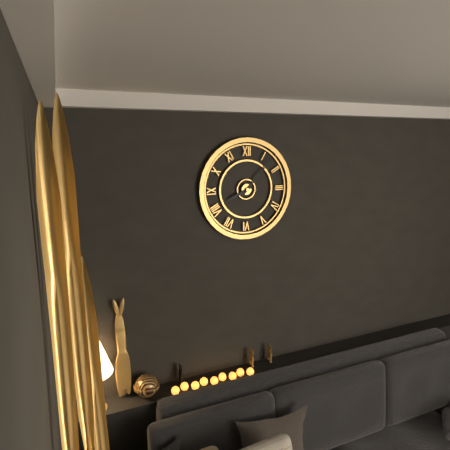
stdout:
{"hour": 8, "minute": 7}
